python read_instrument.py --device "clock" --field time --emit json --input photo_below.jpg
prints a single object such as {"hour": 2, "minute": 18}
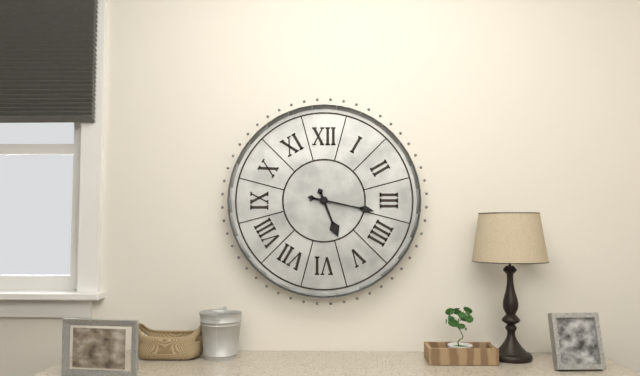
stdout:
{"hour": 5, "minute": 17}
